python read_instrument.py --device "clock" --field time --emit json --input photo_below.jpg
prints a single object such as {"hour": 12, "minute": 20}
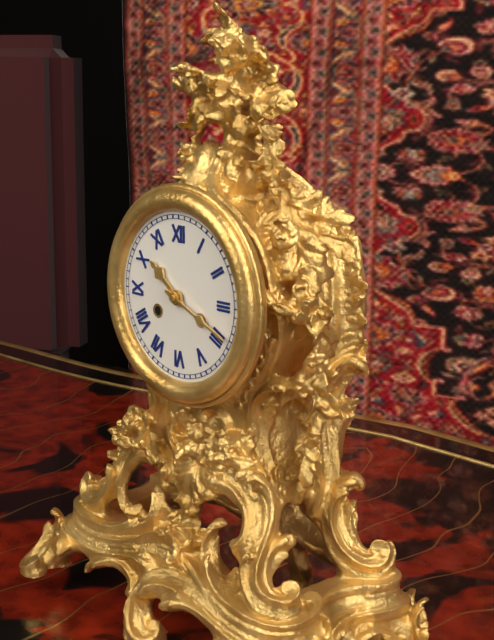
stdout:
{"hour": 10, "minute": 19}
